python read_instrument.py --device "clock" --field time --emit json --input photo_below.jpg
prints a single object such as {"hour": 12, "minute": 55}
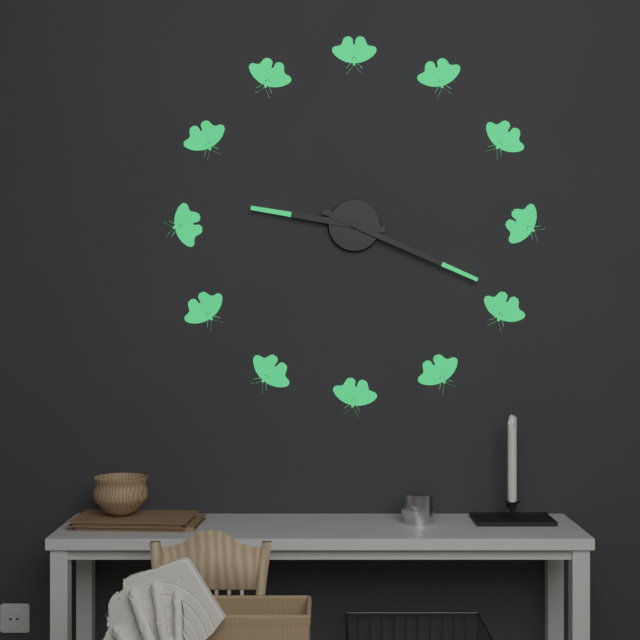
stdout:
{"hour": 9, "minute": 19}
